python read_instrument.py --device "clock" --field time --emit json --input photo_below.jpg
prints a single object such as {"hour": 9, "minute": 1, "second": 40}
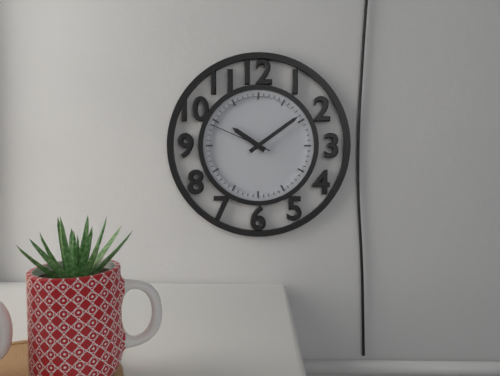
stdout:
{"hour": 10, "minute": 9, "second": 49}
